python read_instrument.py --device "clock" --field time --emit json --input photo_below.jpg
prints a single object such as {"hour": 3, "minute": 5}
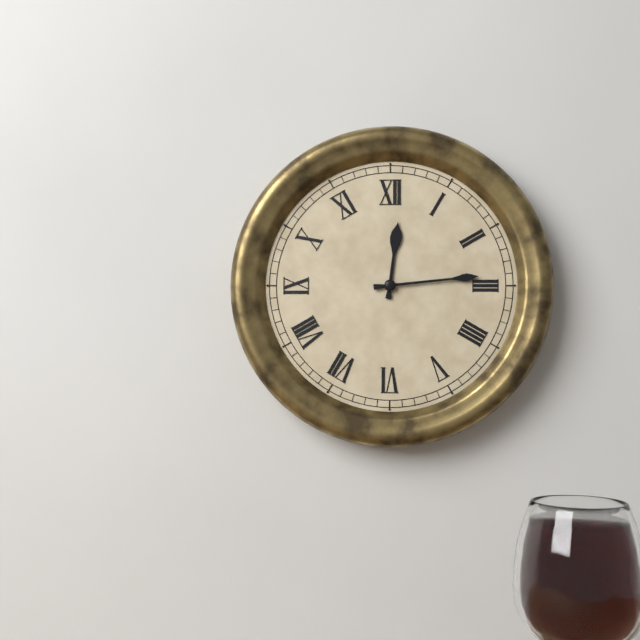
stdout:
{"hour": 12, "minute": 14}
